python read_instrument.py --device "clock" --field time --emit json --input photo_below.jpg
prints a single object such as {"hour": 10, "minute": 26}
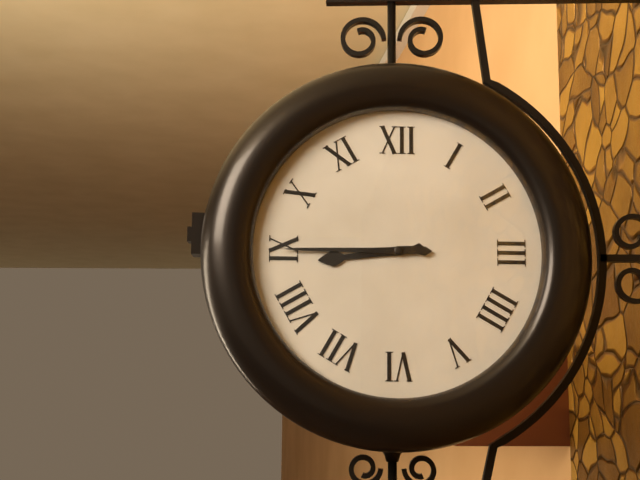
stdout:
{"hour": 8, "minute": 45}
